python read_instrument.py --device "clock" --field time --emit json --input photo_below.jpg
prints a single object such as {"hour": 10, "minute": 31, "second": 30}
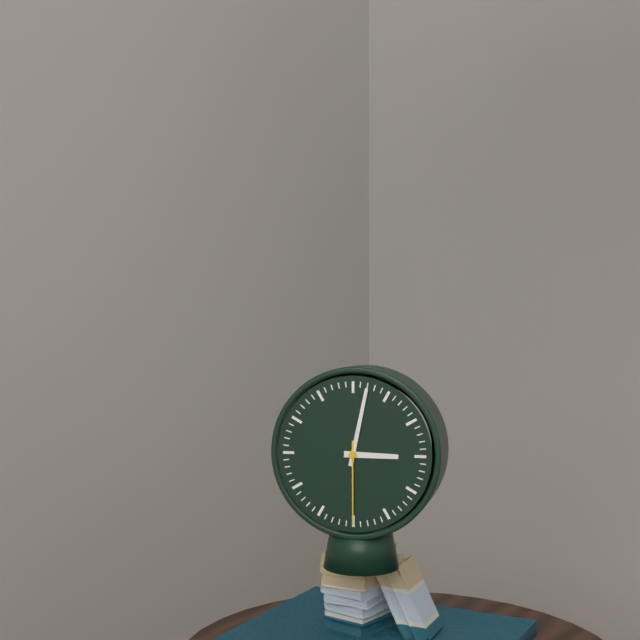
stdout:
{"hour": 3, "minute": 2, "second": 30}
